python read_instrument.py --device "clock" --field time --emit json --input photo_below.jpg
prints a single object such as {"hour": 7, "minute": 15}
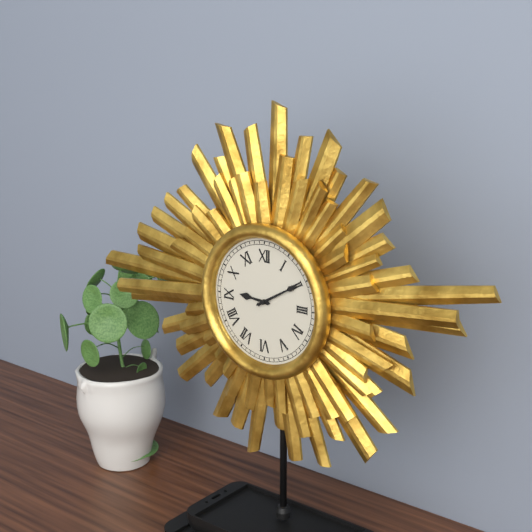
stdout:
{"hour": 9, "minute": 10}
